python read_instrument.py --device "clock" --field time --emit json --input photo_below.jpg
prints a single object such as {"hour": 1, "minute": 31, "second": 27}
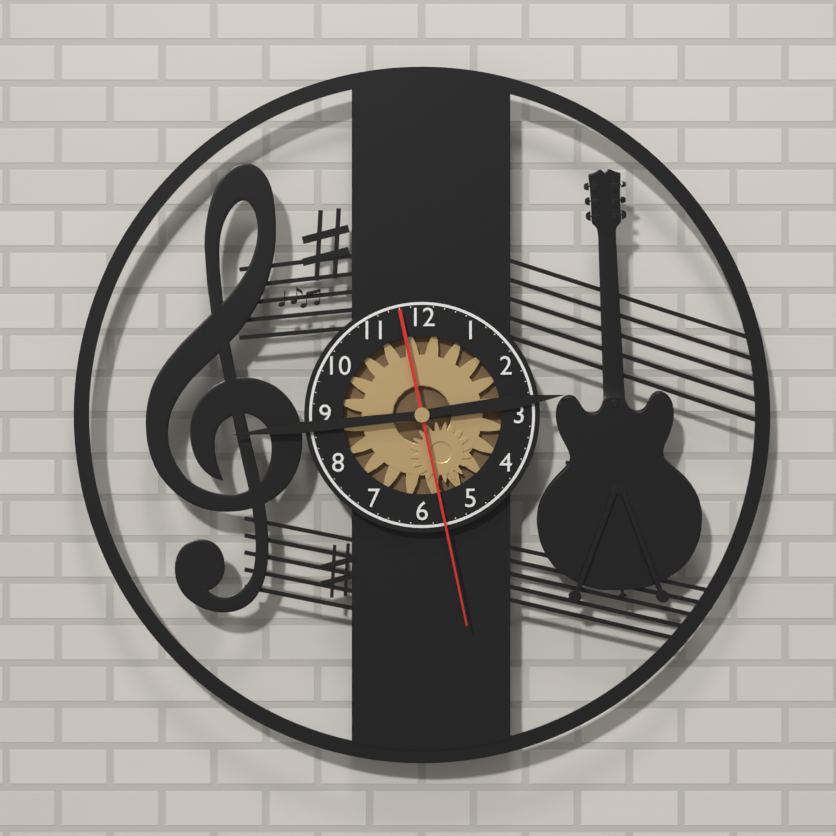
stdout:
{"hour": 2, "minute": 44, "second": 28}
